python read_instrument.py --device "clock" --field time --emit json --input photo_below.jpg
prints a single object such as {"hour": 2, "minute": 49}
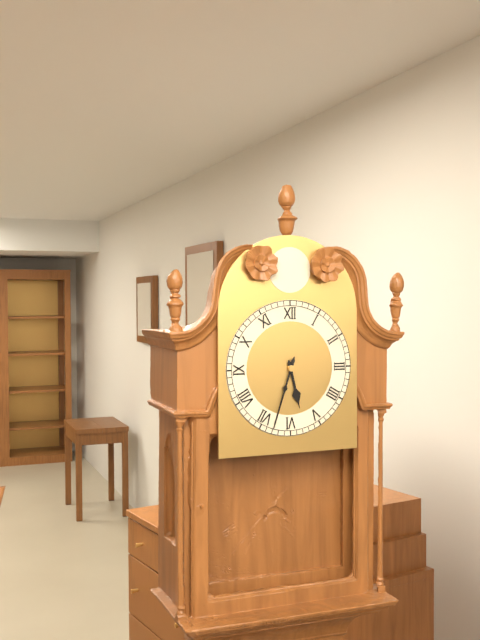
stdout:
{"hour": 5, "minute": 33}
